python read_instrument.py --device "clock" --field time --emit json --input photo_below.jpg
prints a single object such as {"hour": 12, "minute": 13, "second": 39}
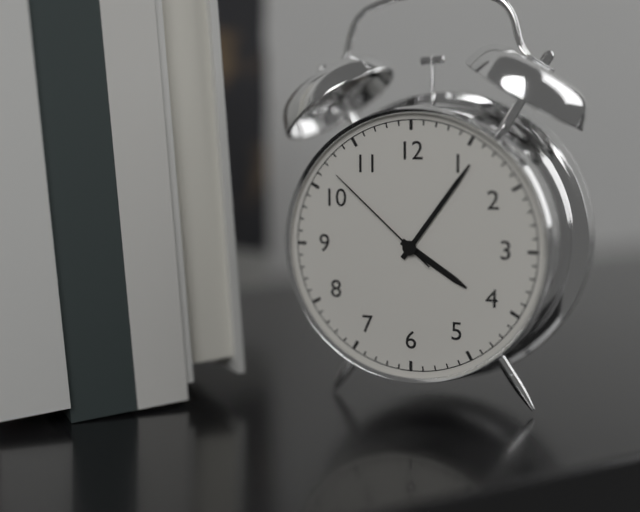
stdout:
{"hour": 4, "minute": 6, "second": 52}
